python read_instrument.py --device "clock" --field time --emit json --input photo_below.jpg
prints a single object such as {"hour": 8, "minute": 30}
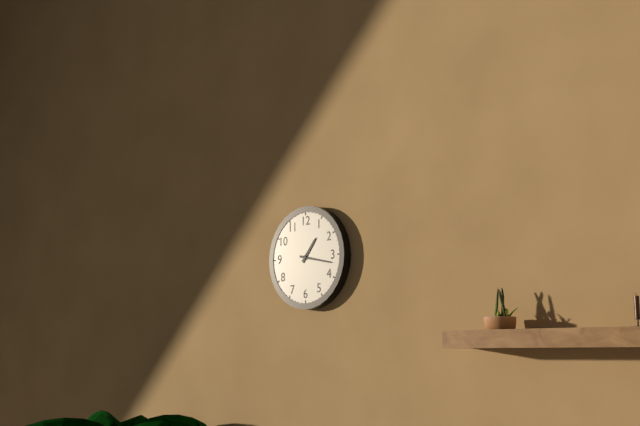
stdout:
{"hour": 1, "minute": 17}
